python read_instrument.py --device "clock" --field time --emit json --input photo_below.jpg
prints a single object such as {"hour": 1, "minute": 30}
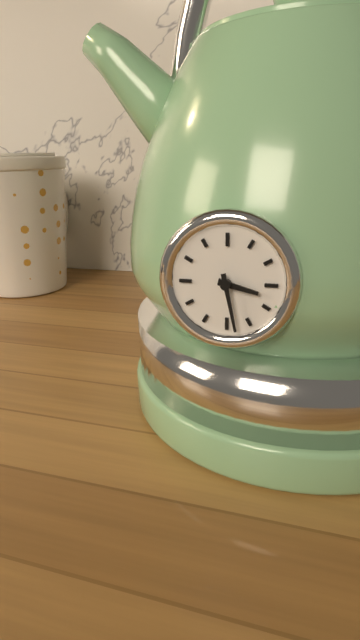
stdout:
{"hour": 3, "minute": 28}
